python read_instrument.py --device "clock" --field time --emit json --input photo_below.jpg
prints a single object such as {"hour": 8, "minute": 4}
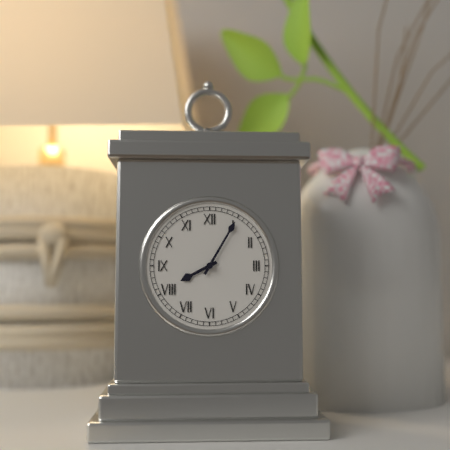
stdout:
{"hour": 8, "minute": 5}
